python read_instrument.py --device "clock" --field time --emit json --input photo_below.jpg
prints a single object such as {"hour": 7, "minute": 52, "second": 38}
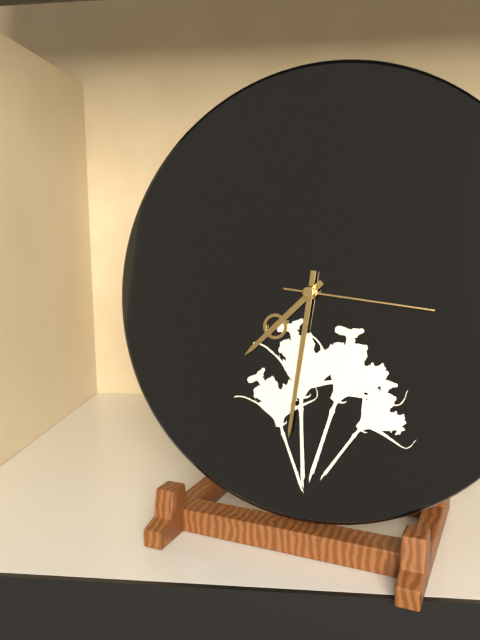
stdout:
{"hour": 7, "minute": 31, "second": 16}
